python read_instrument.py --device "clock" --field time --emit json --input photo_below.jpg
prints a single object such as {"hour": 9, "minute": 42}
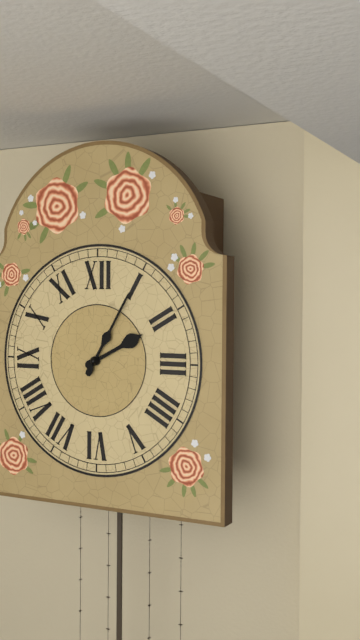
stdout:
{"hour": 2, "minute": 5}
